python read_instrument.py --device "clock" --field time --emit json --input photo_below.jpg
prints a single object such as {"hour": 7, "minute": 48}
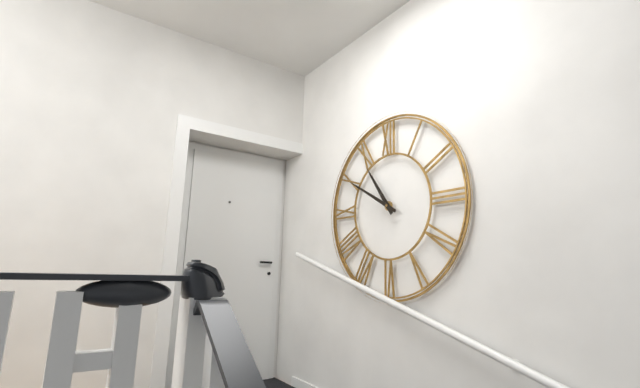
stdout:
{"hour": 10, "minute": 50}
